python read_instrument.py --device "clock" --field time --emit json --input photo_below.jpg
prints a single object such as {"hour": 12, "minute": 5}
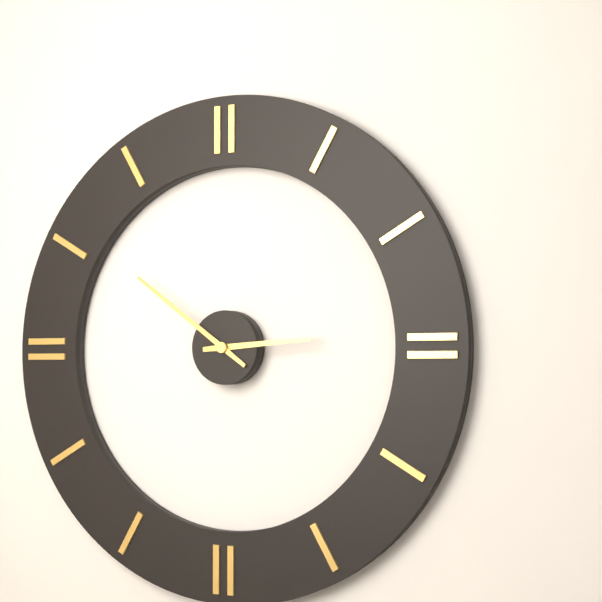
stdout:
{"hour": 2, "minute": 51}
